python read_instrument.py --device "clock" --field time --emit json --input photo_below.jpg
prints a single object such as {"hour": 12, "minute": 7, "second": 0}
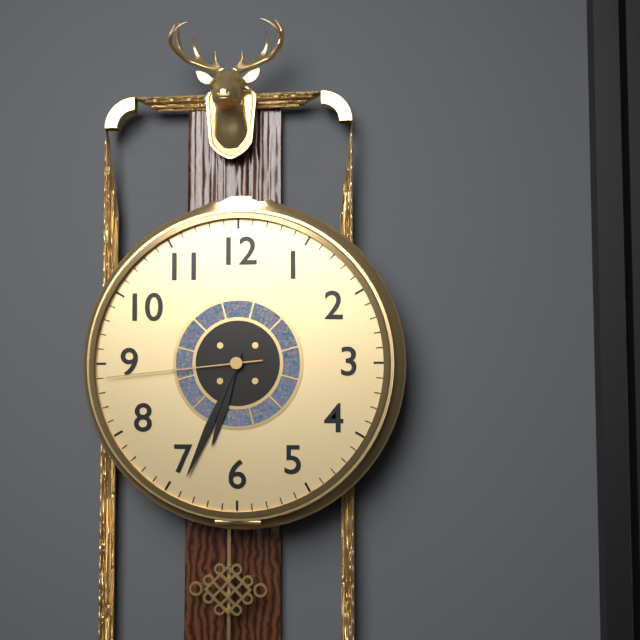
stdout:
{"hour": 6, "minute": 34, "second": 44}
